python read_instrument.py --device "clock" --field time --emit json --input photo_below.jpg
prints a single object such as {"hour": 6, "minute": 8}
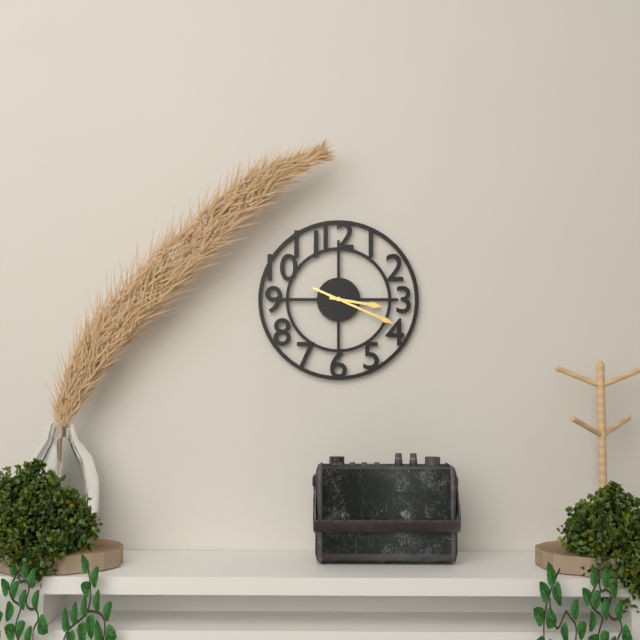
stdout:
{"hour": 3, "minute": 19}
